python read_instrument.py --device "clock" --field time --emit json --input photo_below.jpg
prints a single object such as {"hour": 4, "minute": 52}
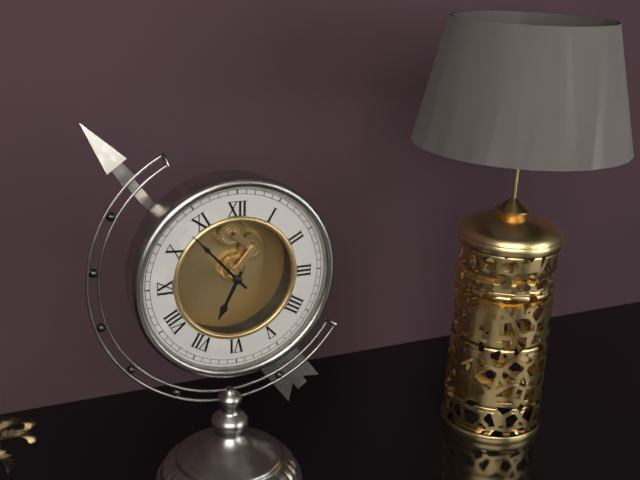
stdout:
{"hour": 6, "minute": 53}
